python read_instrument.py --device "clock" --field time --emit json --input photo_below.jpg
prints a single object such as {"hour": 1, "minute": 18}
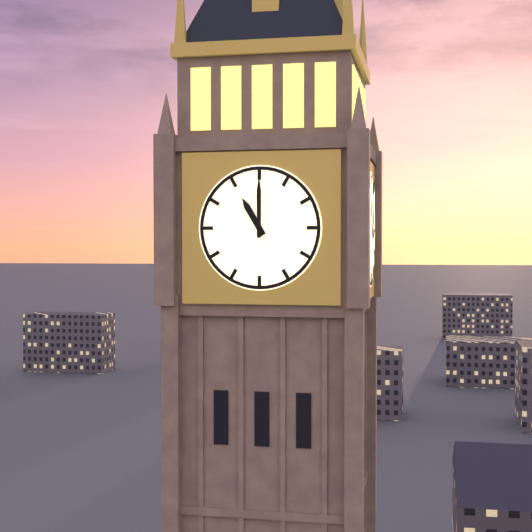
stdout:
{"hour": 11, "minute": 0}
